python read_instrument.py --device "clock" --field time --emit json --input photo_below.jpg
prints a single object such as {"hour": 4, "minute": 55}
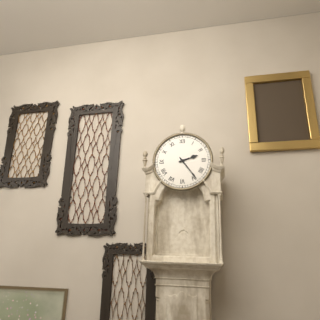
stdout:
{"hour": 2, "minute": 24}
